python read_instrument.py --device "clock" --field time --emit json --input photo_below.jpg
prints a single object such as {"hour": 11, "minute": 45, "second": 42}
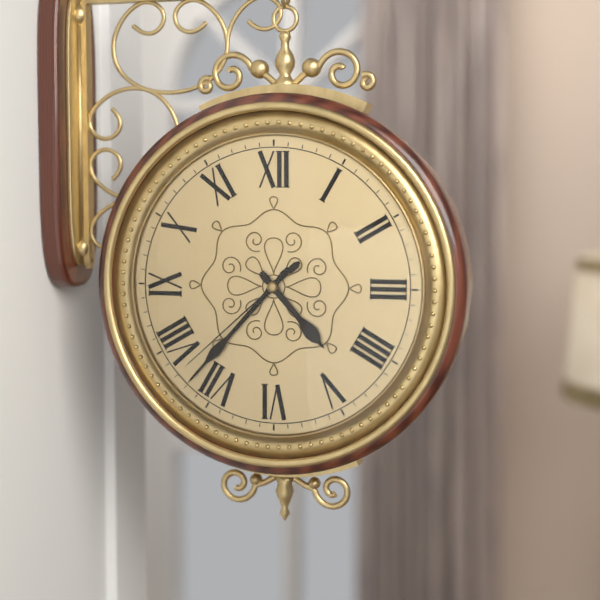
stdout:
{"hour": 4, "minute": 37, "second": 38}
